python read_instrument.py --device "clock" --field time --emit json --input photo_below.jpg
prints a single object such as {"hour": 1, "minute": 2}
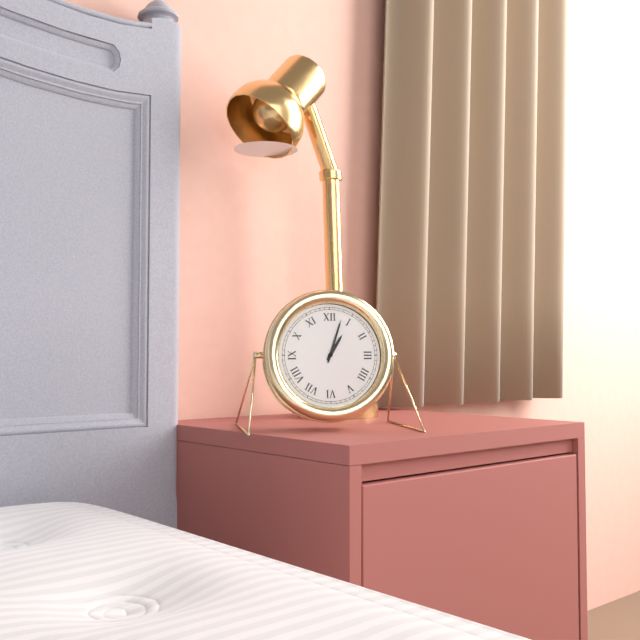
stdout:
{"hour": 1, "minute": 3}
